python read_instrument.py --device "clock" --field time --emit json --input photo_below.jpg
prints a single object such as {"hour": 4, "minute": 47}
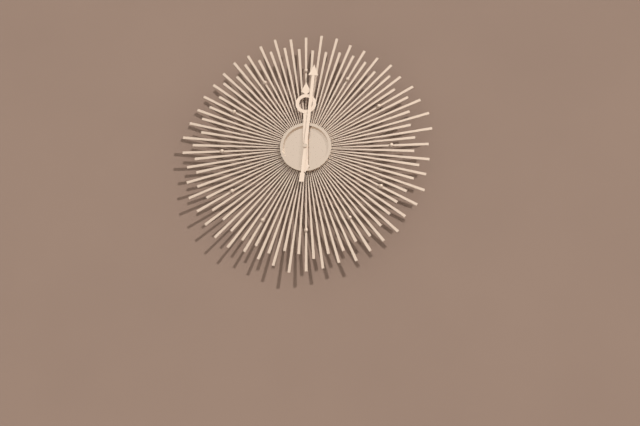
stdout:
{"hour": 12, "minute": 1}
